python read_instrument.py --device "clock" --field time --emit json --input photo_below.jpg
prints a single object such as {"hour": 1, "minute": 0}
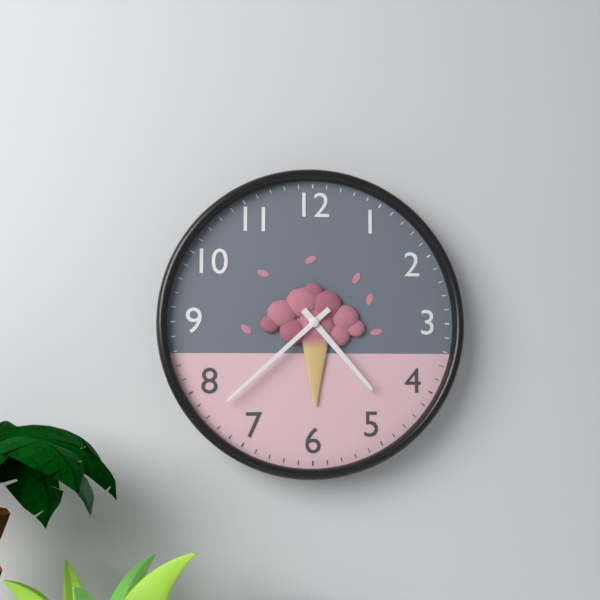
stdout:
{"hour": 4, "minute": 38}
